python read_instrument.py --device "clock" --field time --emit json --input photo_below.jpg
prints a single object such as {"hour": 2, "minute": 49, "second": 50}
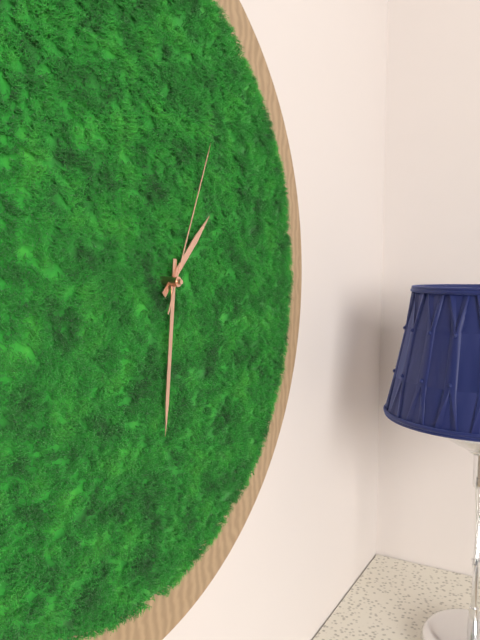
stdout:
{"hour": 1, "minute": 31, "second": 4}
